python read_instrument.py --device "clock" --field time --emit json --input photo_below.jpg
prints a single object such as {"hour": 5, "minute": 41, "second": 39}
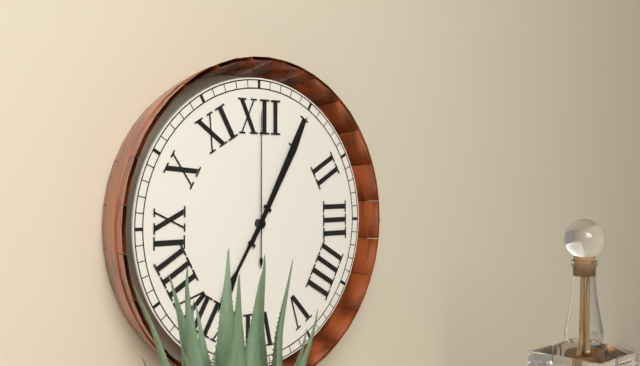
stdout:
{"hour": 7, "minute": 5, "second": 0}
